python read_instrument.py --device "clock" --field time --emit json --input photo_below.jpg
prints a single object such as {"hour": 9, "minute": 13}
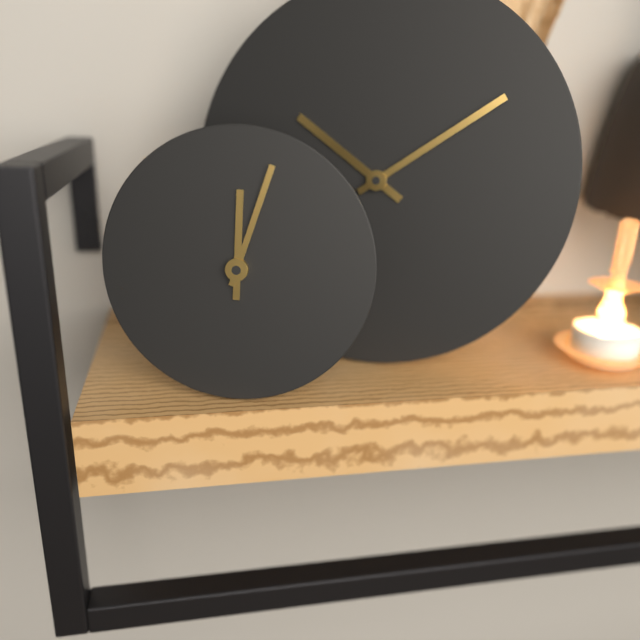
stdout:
{"hour": 12, "minute": 3}
